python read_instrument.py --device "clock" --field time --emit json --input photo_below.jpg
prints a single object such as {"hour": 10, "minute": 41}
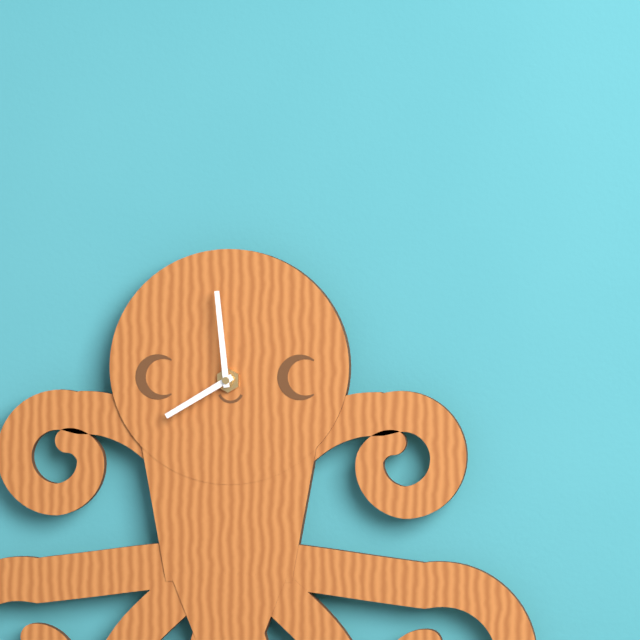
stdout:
{"hour": 7, "minute": 59}
